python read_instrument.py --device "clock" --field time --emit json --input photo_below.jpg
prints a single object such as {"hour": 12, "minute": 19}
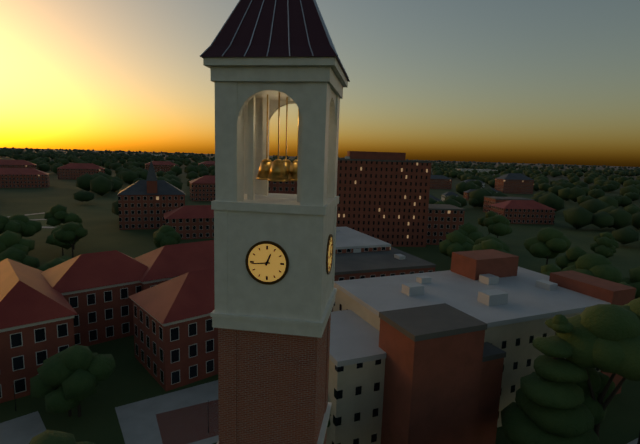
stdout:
{"hour": 12, "minute": 44}
